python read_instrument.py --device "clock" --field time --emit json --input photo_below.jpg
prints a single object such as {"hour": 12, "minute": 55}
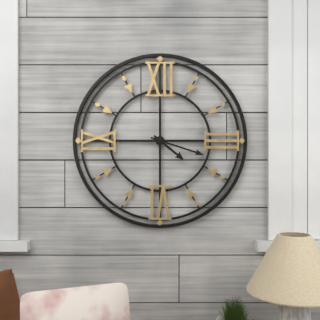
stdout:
{"hour": 4, "minute": 18}
